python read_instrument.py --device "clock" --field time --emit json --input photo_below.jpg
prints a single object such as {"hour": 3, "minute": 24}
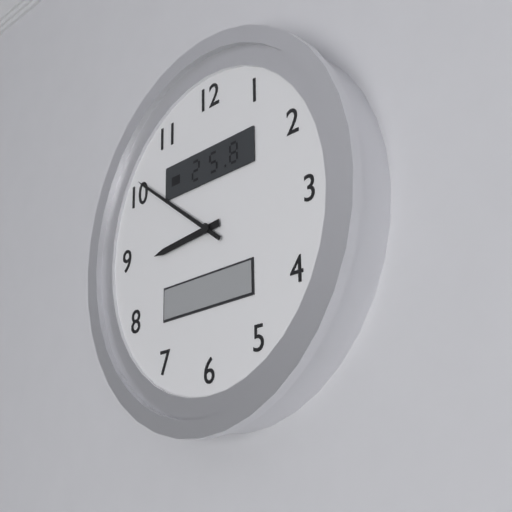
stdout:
{"hour": 8, "minute": 51}
